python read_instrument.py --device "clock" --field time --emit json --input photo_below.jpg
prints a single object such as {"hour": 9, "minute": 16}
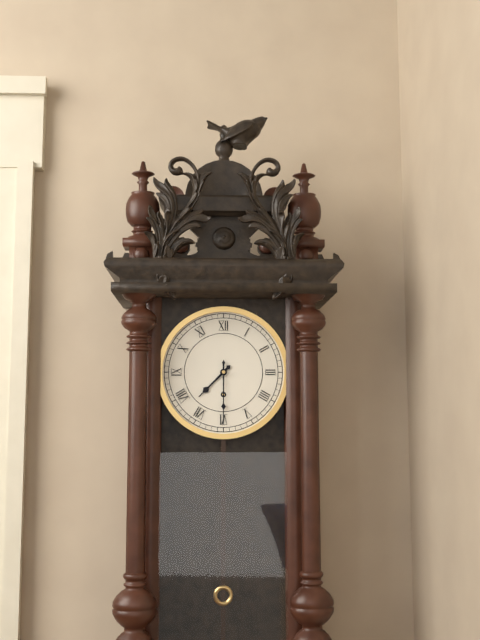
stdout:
{"hour": 7, "minute": 30}
